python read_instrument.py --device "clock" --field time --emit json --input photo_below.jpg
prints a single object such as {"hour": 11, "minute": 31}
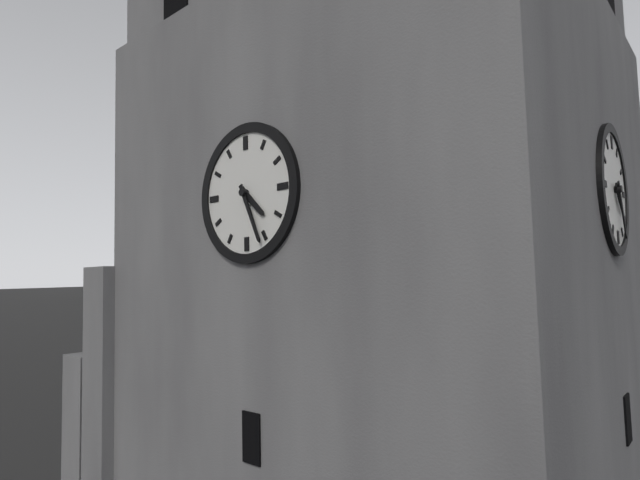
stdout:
{"hour": 4, "minute": 26}
